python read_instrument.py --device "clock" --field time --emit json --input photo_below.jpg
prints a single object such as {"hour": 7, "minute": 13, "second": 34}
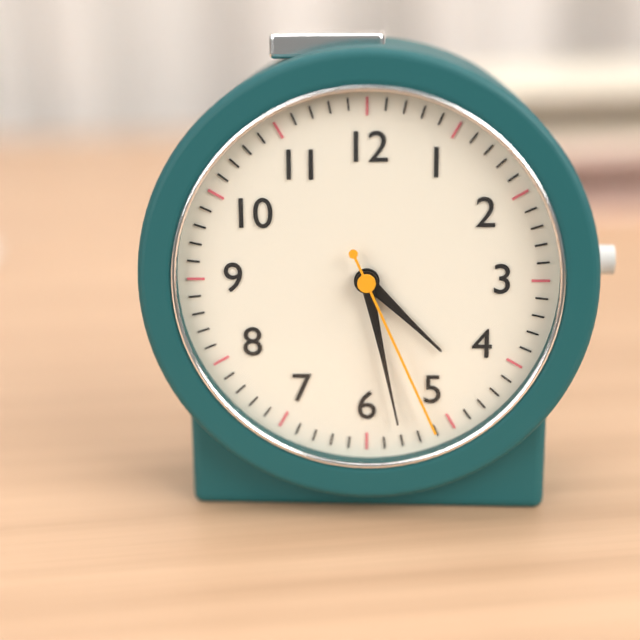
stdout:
{"hour": 4, "minute": 28, "second": 26}
